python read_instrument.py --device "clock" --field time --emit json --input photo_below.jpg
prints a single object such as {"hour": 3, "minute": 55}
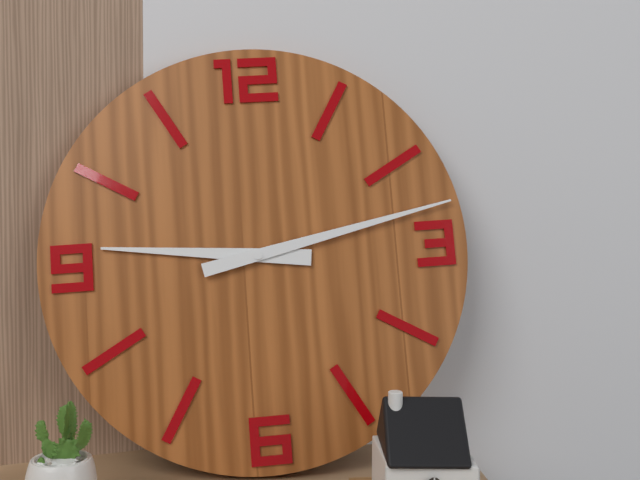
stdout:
{"hour": 9, "minute": 13}
